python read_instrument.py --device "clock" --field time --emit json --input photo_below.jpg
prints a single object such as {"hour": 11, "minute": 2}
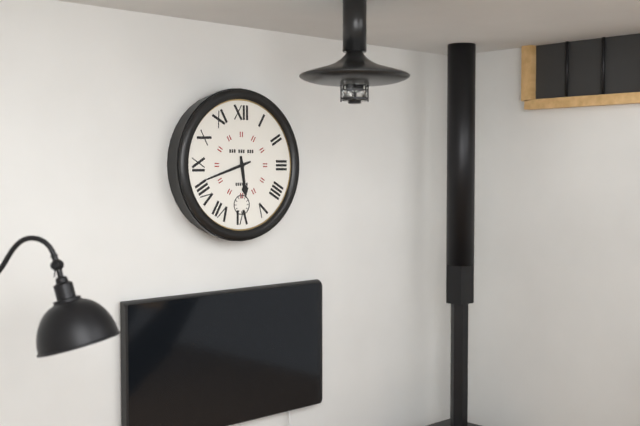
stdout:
{"hour": 5, "minute": 42}
